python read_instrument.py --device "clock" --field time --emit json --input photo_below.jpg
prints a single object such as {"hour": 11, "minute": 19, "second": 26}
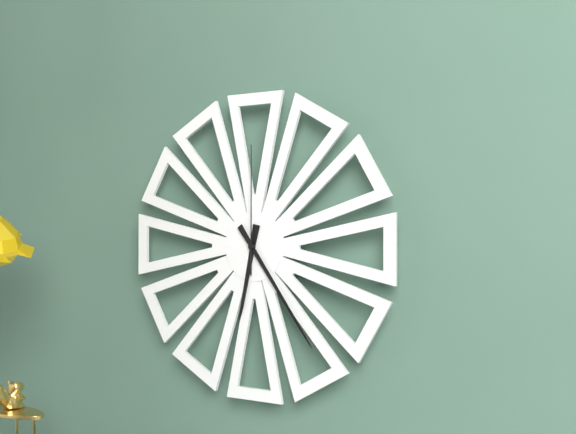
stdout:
{"hour": 6, "minute": 24, "second": 0}
